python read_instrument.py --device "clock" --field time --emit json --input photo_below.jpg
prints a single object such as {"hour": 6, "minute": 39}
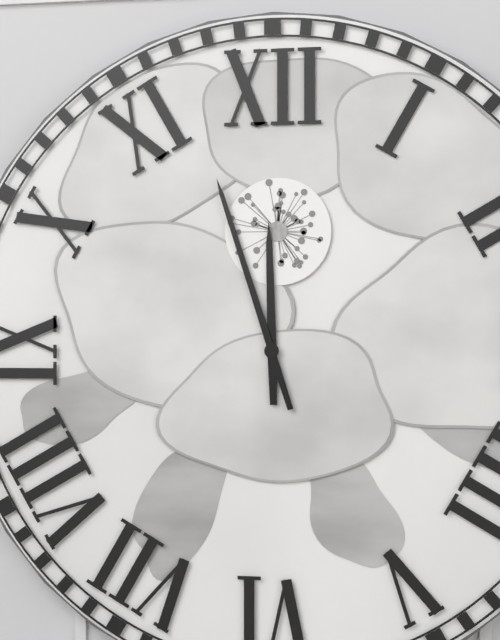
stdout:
{"hour": 11, "minute": 57}
